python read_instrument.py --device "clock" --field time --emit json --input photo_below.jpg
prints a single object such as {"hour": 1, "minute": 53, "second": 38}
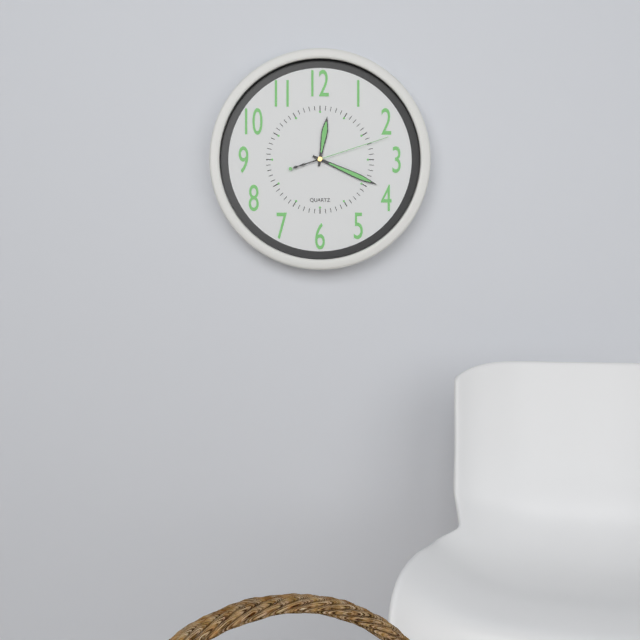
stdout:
{"hour": 12, "minute": 19, "second": 12}
